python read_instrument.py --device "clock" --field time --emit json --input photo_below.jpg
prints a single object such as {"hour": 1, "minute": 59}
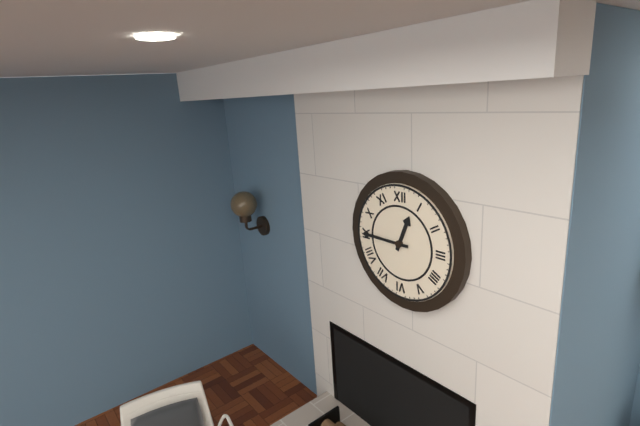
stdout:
{"hour": 12, "minute": 45}
